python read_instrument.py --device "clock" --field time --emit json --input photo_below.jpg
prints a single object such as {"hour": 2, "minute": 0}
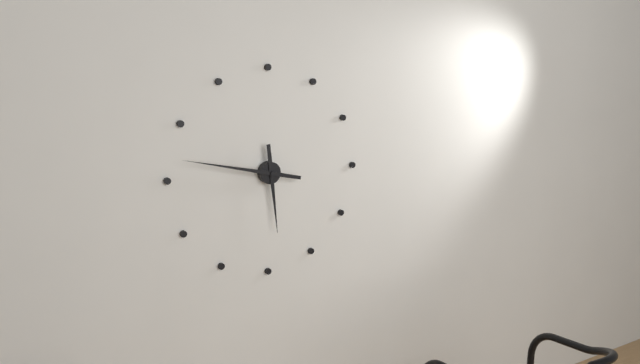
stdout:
{"hour": 5, "minute": 47}
